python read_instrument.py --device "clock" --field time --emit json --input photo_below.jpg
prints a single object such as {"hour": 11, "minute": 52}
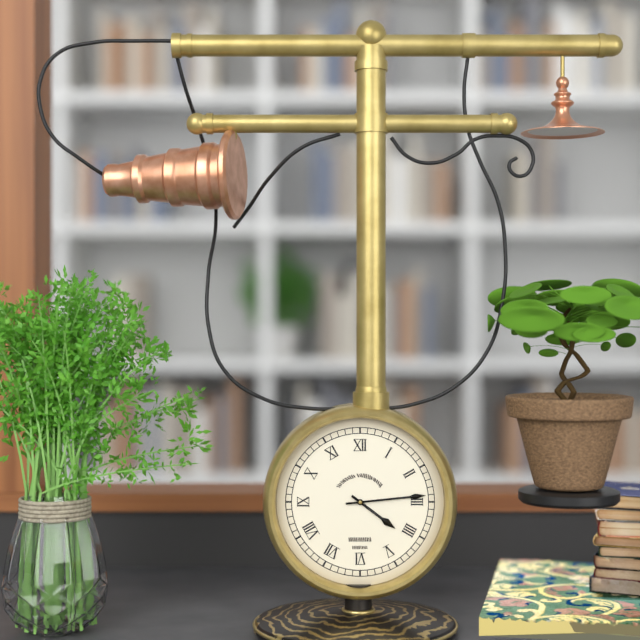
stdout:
{"hour": 4, "minute": 14}
